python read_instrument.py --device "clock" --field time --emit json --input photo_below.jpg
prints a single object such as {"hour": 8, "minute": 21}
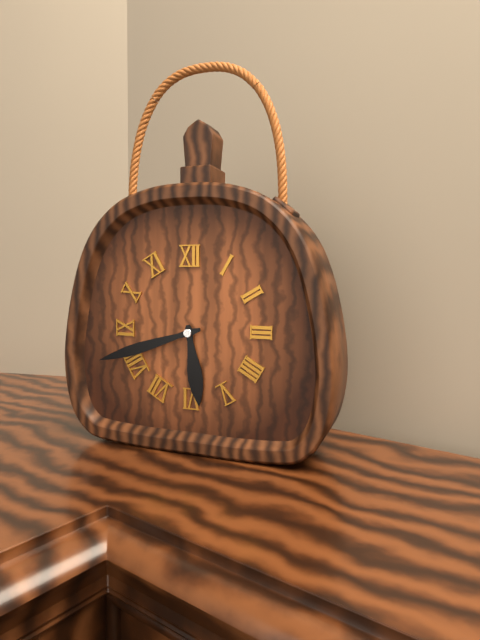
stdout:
{"hour": 5, "minute": 42}
